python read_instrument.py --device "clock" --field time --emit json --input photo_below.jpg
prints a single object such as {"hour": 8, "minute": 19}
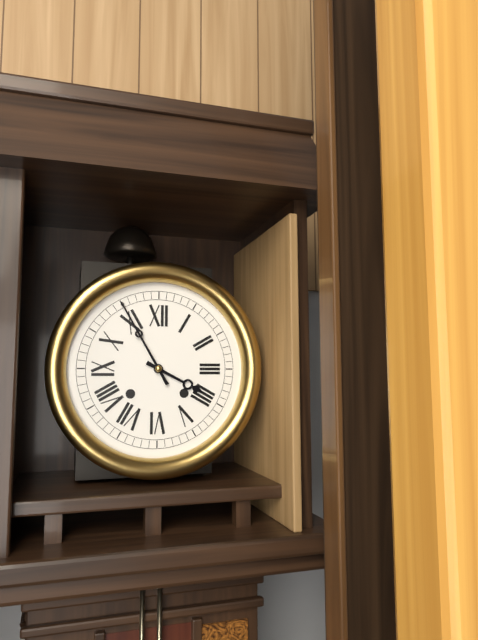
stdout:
{"hour": 3, "minute": 55}
